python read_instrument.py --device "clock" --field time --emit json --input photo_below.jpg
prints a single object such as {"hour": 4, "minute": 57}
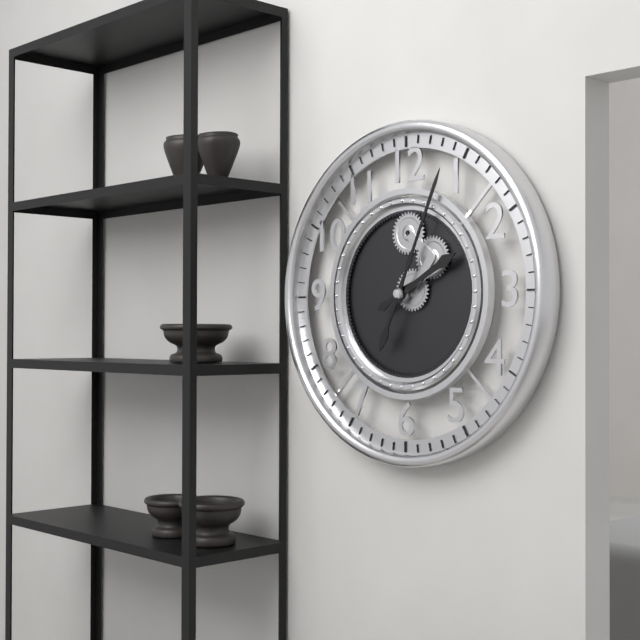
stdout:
{"hour": 2, "minute": 4}
